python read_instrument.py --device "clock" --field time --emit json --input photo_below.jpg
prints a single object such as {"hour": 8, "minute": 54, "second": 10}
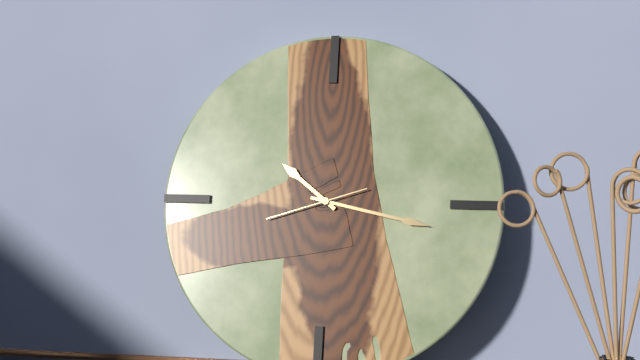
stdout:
{"hour": 10, "minute": 17, "second": 42}
